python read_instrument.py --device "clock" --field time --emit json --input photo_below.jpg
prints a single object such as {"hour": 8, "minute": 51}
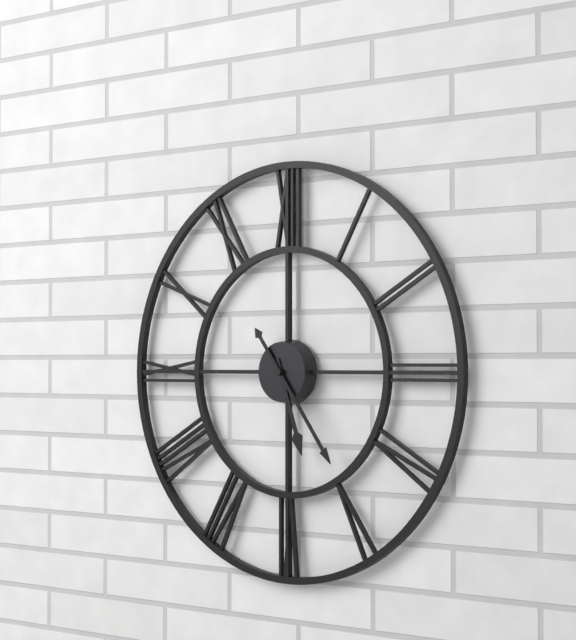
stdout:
{"hour": 5, "minute": 24}
